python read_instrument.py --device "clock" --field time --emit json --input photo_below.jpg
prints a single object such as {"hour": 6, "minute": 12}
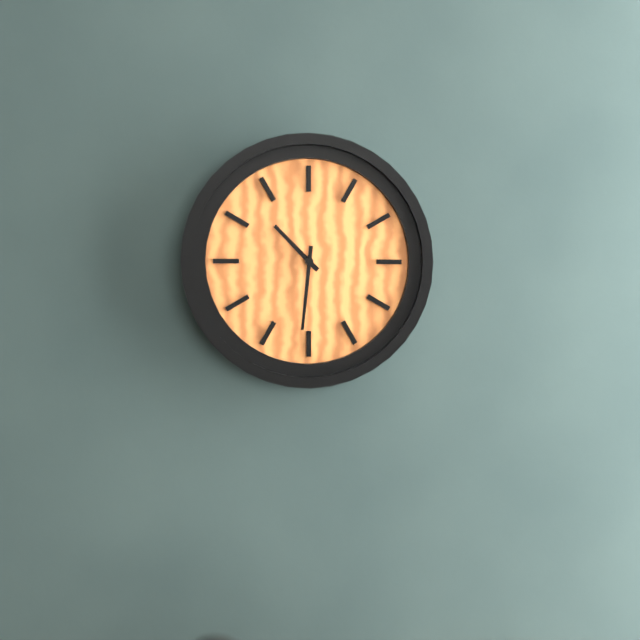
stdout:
{"hour": 10, "minute": 31}
